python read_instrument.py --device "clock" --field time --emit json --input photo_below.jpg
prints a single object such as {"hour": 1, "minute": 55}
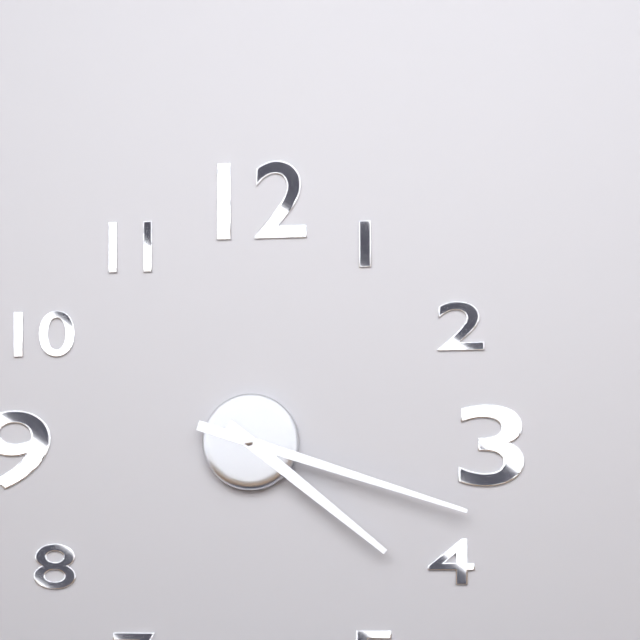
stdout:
{"hour": 4, "minute": 18}
